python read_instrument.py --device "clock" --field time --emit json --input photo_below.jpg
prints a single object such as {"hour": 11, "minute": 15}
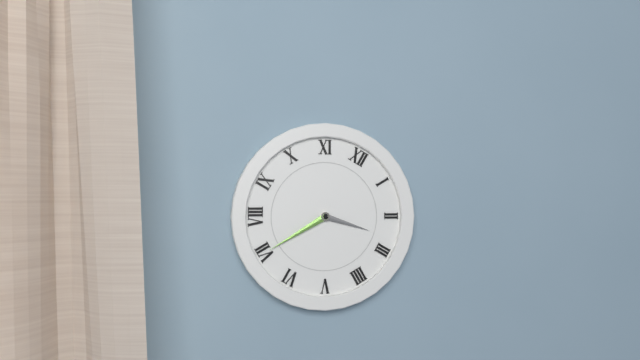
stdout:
{"hour": 2, "minute": 35}
